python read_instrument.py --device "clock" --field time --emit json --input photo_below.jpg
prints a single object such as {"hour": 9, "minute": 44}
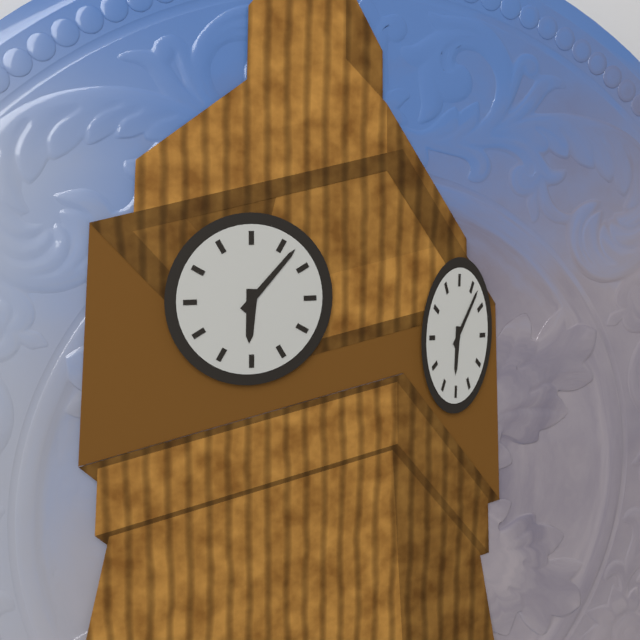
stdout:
{"hour": 6, "minute": 7}
